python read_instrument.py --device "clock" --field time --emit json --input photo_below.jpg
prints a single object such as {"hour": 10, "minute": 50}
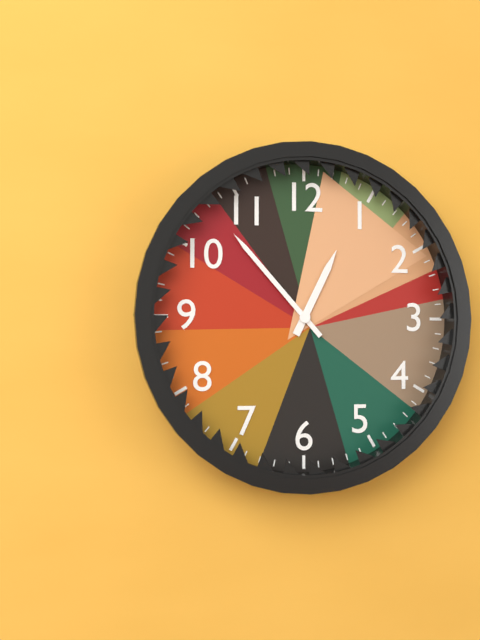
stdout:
{"hour": 12, "minute": 53}
